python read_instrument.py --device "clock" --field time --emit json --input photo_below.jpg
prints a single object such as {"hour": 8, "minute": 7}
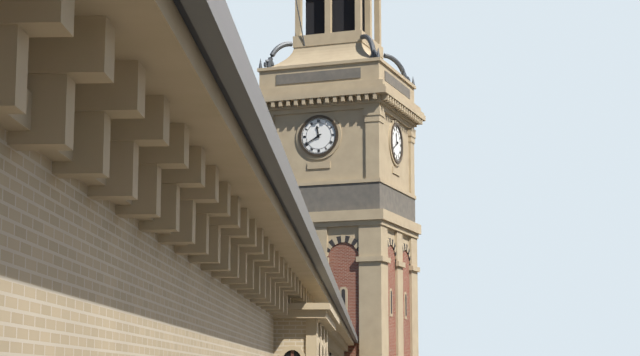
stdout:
{"hour": 11, "minute": 40}
